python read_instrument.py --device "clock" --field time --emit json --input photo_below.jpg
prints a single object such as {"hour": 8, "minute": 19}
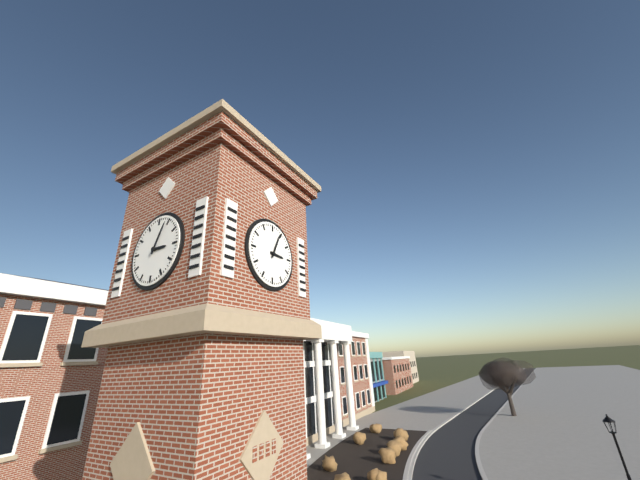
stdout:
{"hour": 3, "minute": 4}
